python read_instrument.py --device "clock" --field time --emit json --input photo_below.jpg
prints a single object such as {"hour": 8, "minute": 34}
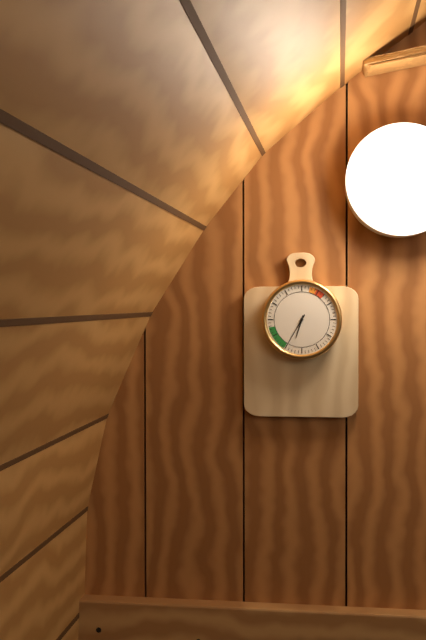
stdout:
{"hour": 6, "minute": 35}
